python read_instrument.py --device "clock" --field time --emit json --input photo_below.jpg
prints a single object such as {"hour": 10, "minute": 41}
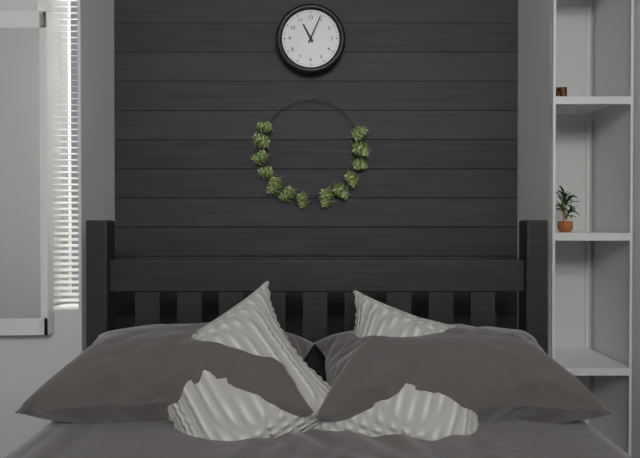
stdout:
{"hour": 11, "minute": 4}
